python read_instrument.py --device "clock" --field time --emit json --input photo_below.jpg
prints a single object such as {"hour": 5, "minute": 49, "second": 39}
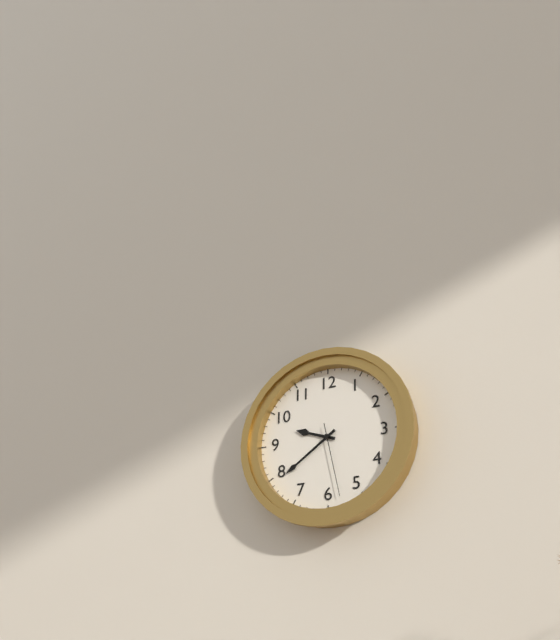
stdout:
{"hour": 9, "minute": 39, "second": 28}
